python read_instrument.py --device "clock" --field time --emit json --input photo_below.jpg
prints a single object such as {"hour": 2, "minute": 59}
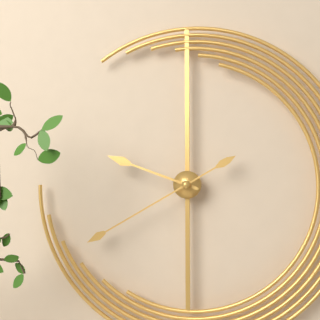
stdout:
{"hour": 9, "minute": 40}
